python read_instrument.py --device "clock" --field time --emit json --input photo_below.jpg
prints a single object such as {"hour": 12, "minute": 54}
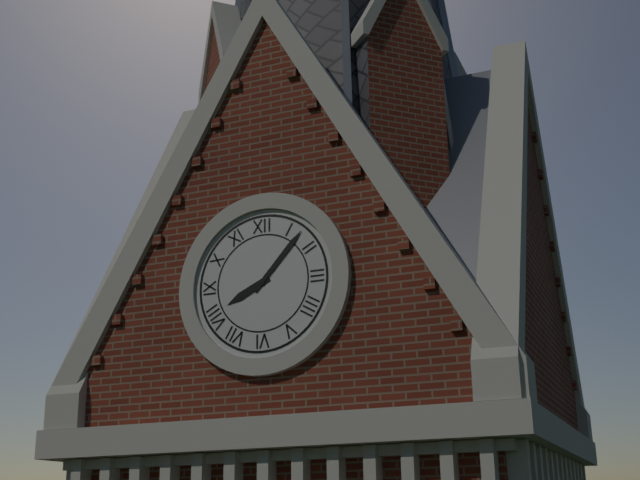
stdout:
{"hour": 8, "minute": 7}
